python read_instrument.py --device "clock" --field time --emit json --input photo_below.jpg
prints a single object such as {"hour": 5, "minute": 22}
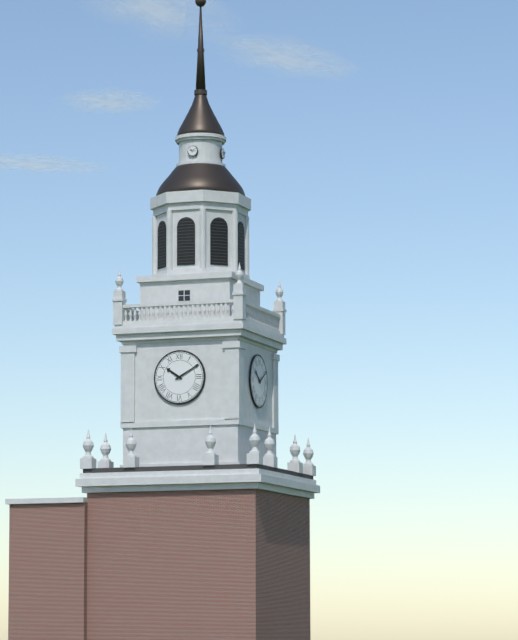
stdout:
{"hour": 10, "minute": 10}
